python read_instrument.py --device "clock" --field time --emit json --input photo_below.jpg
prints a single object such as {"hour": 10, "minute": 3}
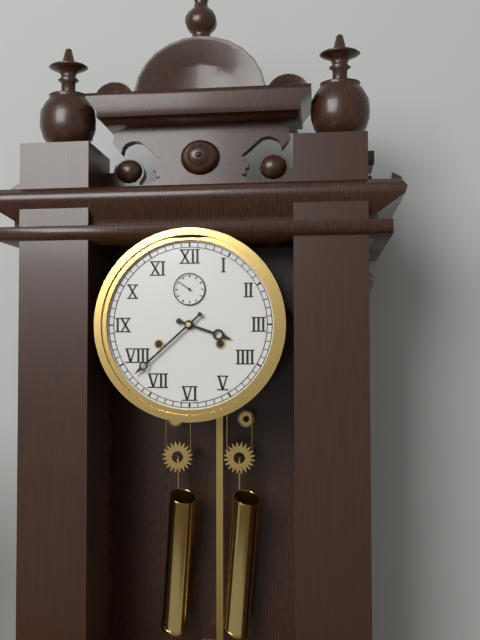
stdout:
{"hour": 3, "minute": 38}
